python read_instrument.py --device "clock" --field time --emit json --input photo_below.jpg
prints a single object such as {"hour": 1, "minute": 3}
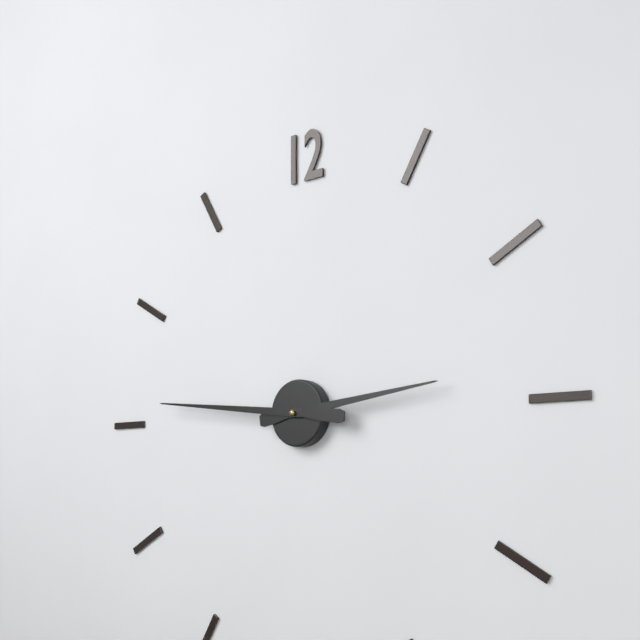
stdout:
{"hour": 2, "minute": 46}
